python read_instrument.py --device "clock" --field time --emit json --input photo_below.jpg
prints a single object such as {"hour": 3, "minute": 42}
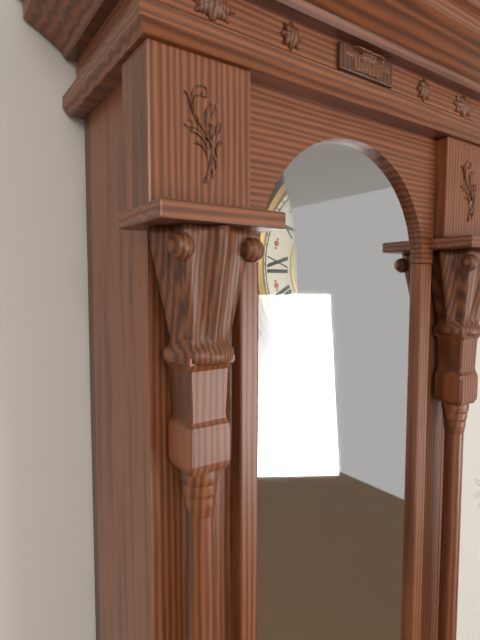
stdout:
{"hour": 5, "minute": 33}
